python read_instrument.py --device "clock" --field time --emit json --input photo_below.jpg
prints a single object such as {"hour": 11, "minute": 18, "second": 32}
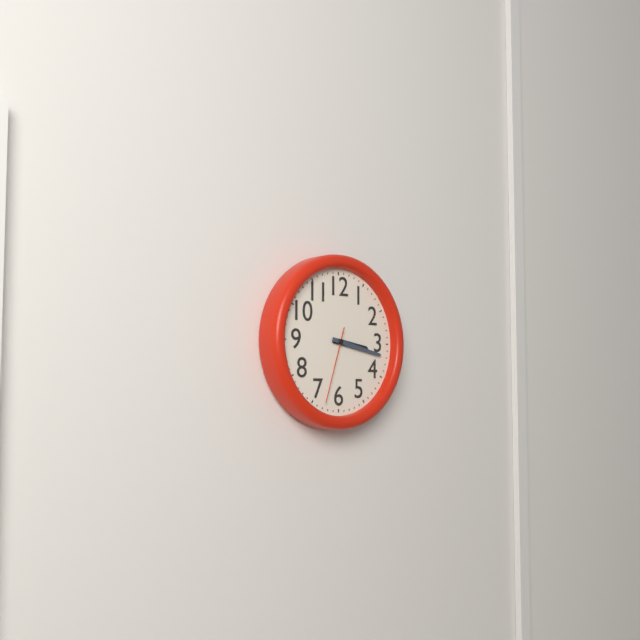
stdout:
{"hour": 3, "minute": 17, "second": 33}
